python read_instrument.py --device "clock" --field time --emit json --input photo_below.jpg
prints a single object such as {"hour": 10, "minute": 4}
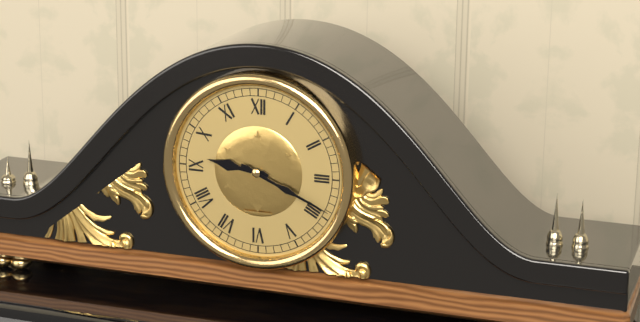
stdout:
{"hour": 9, "minute": 19}
